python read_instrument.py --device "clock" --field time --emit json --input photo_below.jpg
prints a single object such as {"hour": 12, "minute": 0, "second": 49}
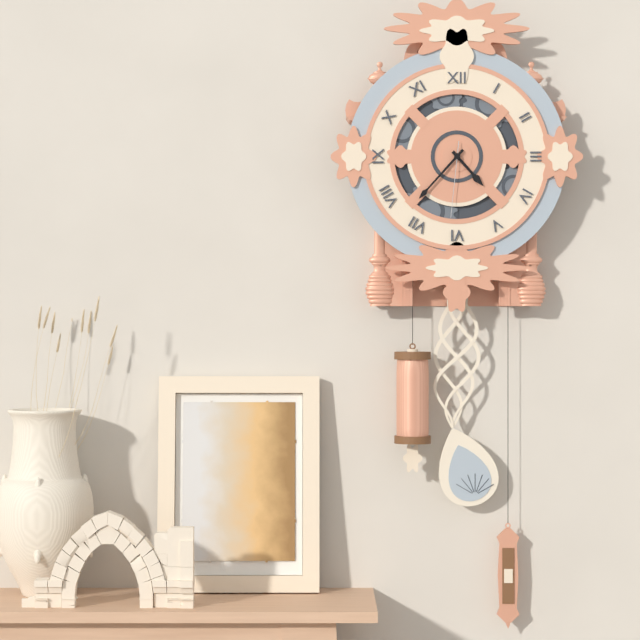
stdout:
{"hour": 4, "minute": 37, "second": 31}
